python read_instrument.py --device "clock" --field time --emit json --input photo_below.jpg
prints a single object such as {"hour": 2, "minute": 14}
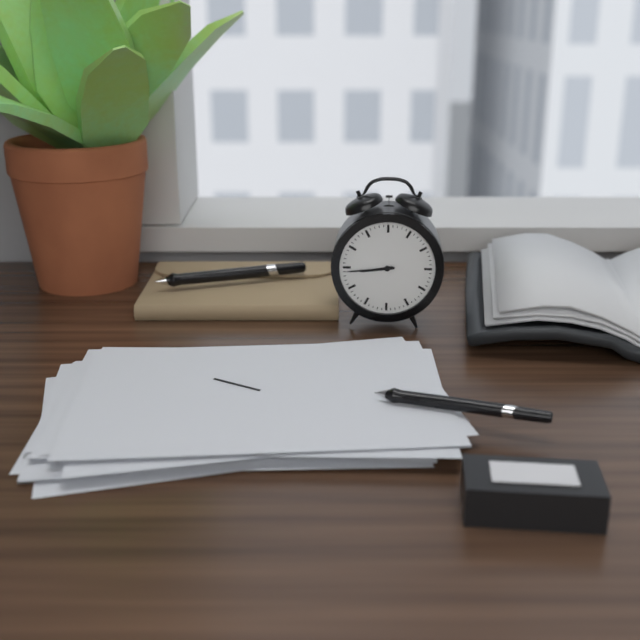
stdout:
{"hour": 8, "minute": 44}
